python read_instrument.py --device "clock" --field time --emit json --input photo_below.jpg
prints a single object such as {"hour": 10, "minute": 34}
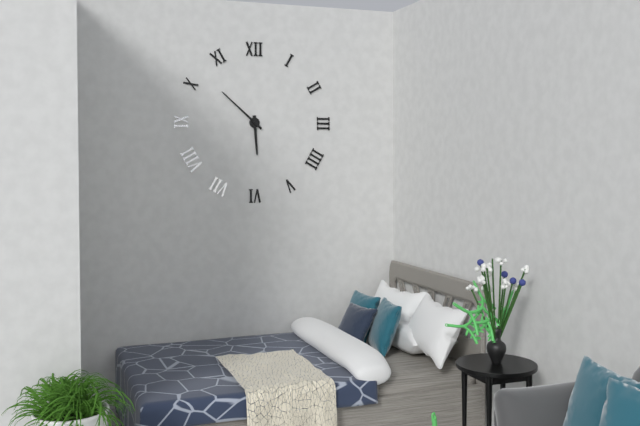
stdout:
{"hour": 5, "minute": 52}
